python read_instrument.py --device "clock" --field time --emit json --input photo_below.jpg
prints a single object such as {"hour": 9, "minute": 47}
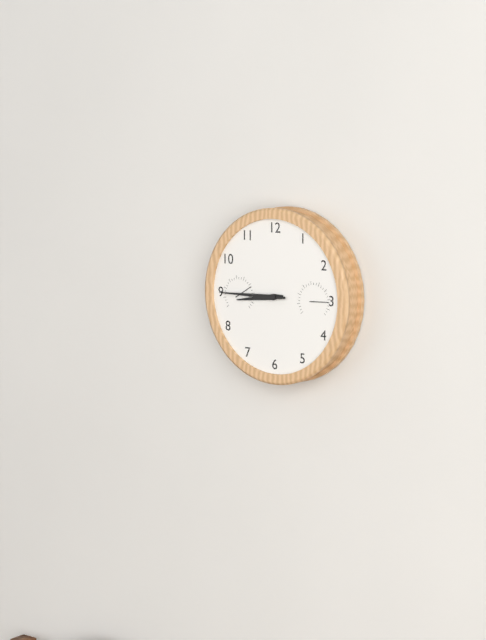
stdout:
{"hour": 8, "minute": 45}
